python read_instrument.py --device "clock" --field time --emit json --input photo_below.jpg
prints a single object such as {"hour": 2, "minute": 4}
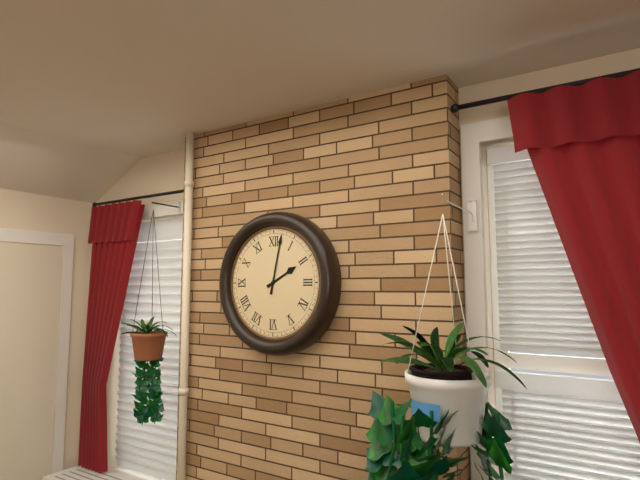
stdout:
{"hour": 2, "minute": 2}
